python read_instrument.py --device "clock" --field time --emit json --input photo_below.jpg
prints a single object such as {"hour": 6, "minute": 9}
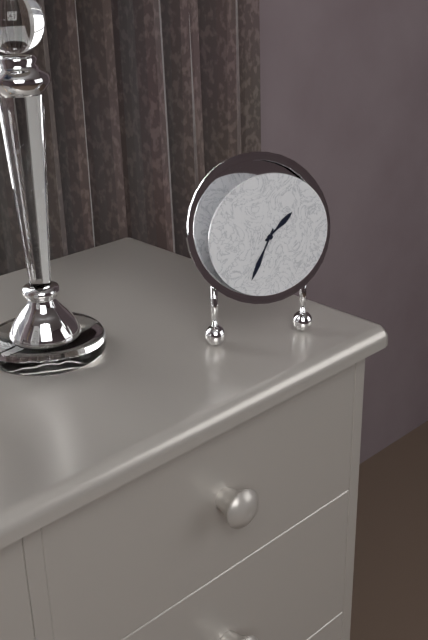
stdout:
{"hour": 1, "minute": 34}
